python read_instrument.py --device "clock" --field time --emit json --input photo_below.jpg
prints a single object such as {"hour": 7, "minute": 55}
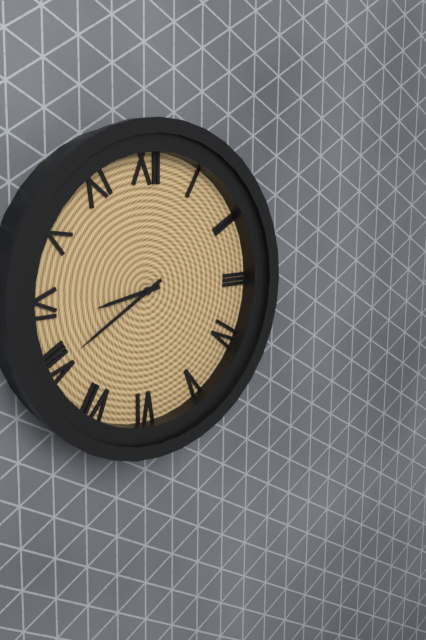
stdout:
{"hour": 8, "minute": 40}
